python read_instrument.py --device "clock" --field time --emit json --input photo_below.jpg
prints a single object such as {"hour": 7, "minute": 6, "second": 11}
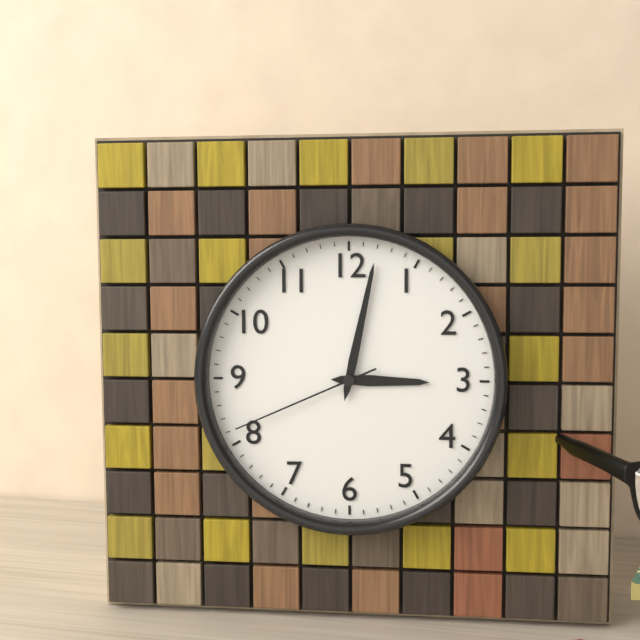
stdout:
{"hour": 3, "minute": 2, "second": 41}
